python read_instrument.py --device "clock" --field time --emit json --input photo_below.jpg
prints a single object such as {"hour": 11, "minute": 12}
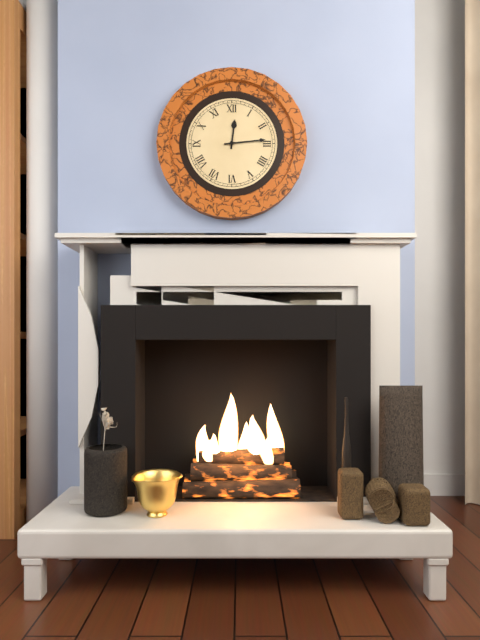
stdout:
{"hour": 12, "minute": 14}
